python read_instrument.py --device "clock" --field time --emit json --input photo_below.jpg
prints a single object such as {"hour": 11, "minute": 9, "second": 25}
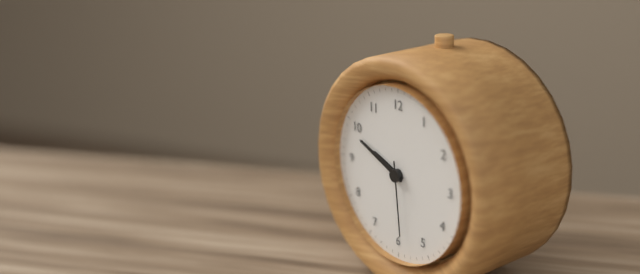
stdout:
{"hour": 9, "minute": 49, "second": 29}
